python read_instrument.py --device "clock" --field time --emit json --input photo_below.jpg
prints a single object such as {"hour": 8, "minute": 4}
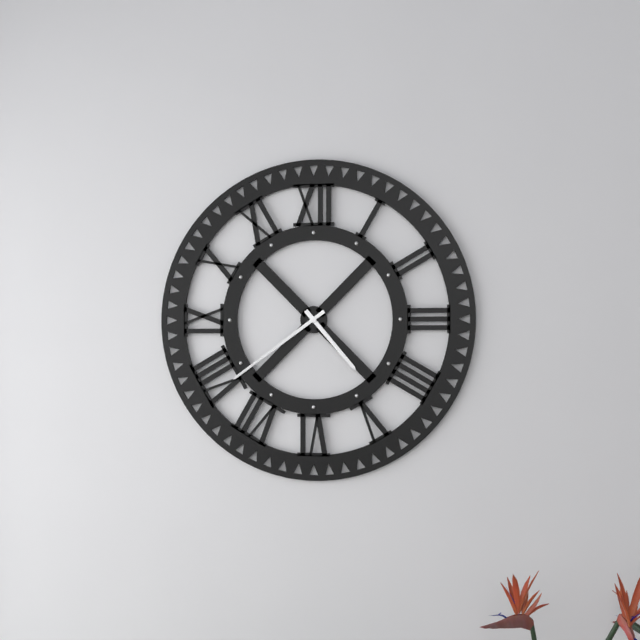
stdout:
{"hour": 4, "minute": 39}
